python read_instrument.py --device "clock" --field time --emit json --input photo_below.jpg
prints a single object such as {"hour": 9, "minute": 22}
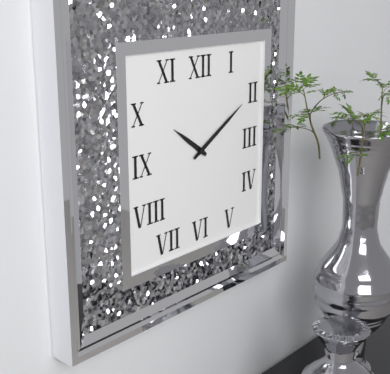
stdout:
{"hour": 10, "minute": 10}
